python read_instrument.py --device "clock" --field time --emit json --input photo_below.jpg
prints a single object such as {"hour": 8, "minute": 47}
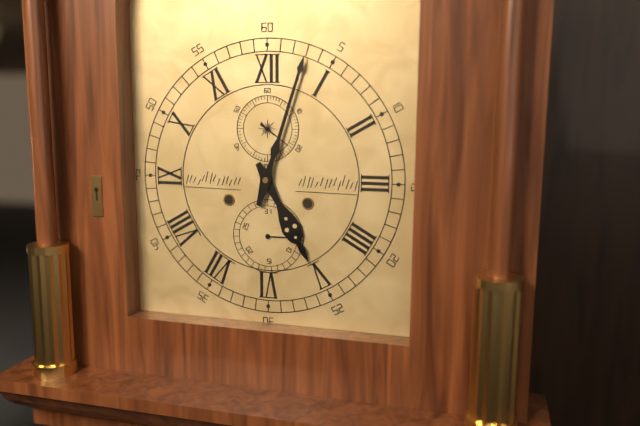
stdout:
{"hour": 5, "minute": 3}
